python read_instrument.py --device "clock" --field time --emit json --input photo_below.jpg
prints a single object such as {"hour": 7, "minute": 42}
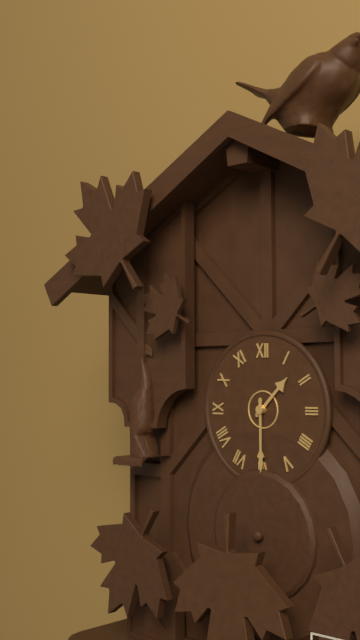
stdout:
{"hour": 1, "minute": 30}
